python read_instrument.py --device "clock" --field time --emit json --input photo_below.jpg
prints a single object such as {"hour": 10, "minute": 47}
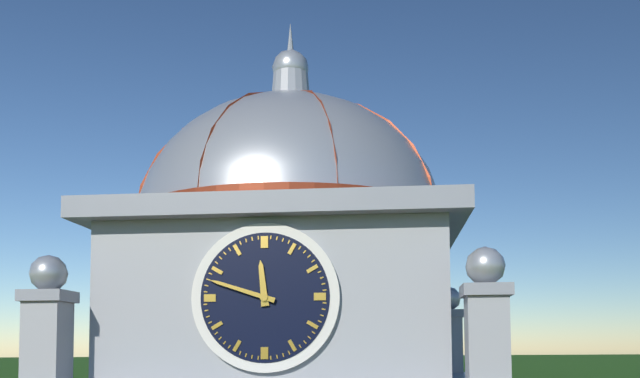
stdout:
{"hour": 11, "minute": 48}
